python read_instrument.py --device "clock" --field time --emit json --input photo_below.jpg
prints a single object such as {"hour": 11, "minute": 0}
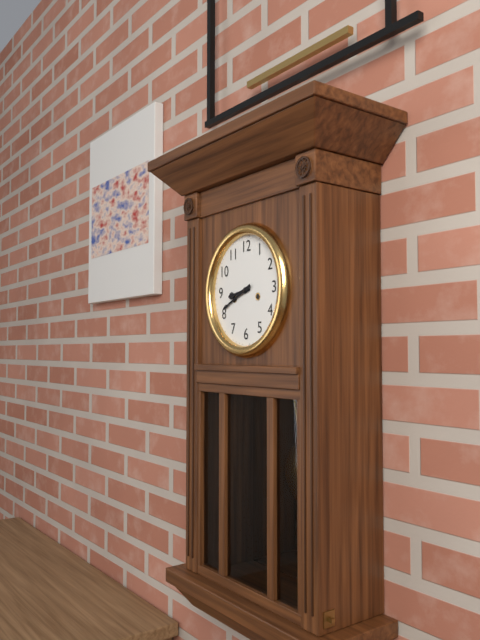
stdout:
{"hour": 8, "minute": 41}
